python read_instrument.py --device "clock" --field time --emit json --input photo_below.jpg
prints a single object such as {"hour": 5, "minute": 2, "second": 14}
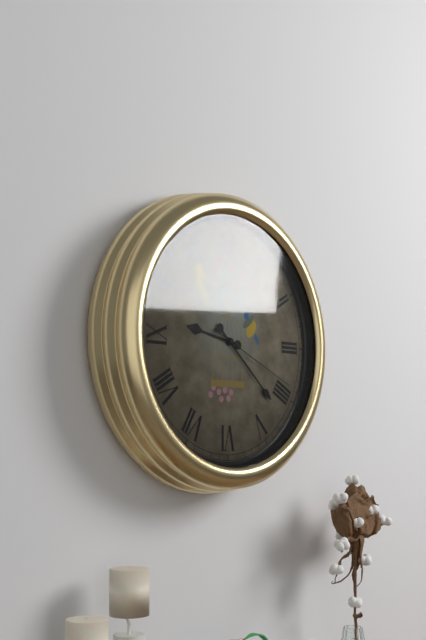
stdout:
{"hour": 9, "minute": 22, "second": 19}
